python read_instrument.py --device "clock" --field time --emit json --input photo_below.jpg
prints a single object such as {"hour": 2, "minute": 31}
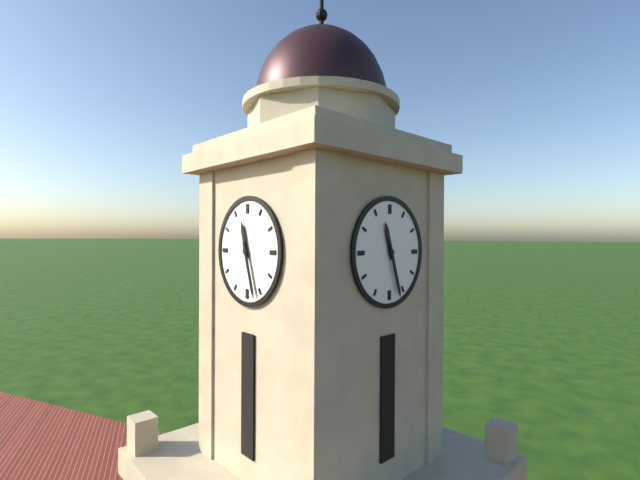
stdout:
{"hour": 11, "minute": 27}
